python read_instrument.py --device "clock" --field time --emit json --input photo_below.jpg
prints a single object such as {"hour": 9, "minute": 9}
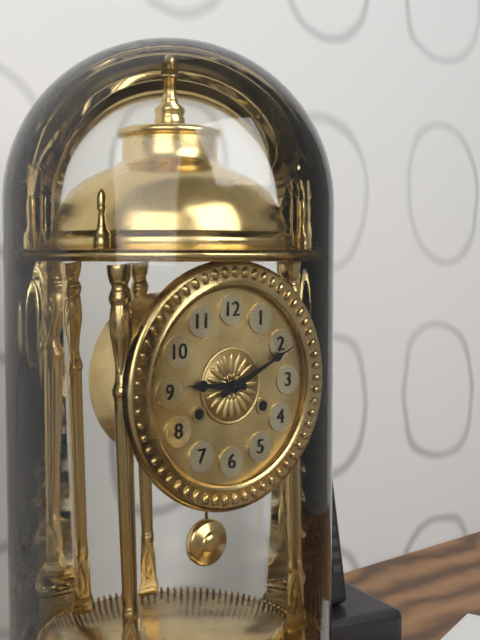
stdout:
{"hour": 9, "minute": 11}
